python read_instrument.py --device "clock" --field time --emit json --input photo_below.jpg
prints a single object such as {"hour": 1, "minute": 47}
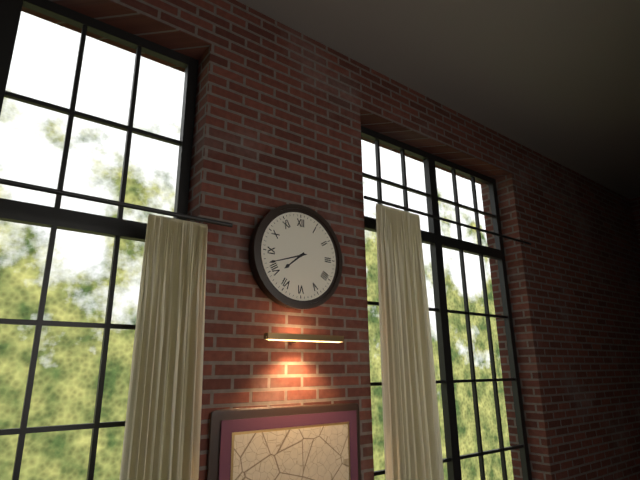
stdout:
{"hour": 7, "minute": 42}
